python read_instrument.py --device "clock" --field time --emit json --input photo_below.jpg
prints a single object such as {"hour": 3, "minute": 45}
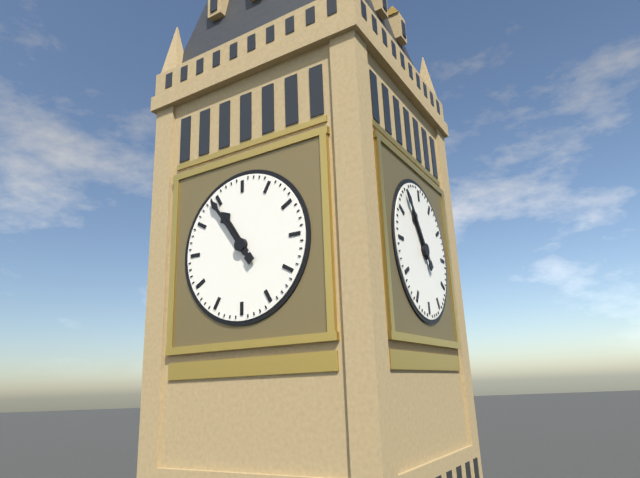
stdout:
{"hour": 10, "minute": 54}
